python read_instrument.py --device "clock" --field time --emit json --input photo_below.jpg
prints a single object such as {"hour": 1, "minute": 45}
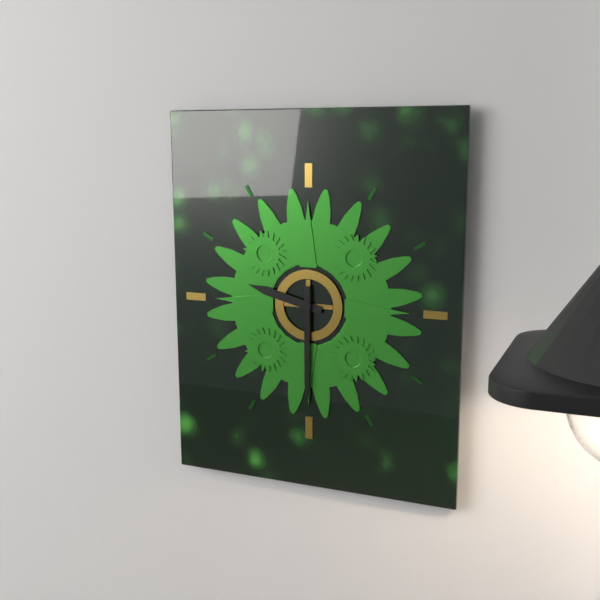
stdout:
{"hour": 9, "minute": 30}
